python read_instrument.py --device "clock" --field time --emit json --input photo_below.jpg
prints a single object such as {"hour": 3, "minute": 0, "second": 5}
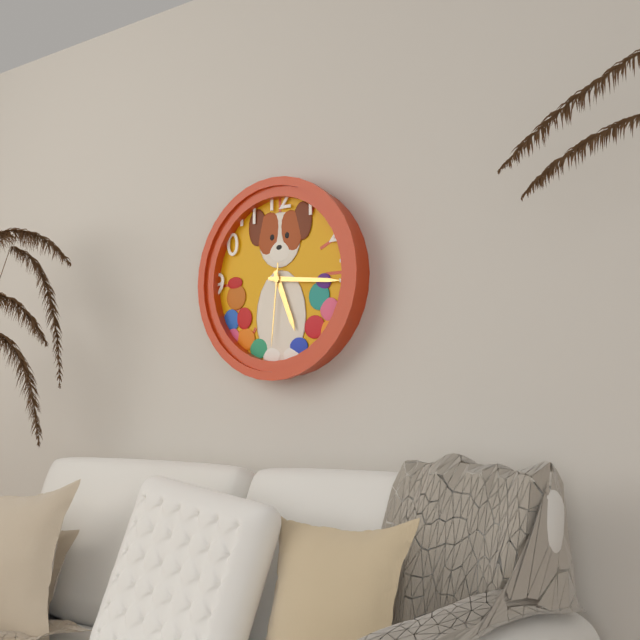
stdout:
{"hour": 5, "minute": 16, "second": 31}
